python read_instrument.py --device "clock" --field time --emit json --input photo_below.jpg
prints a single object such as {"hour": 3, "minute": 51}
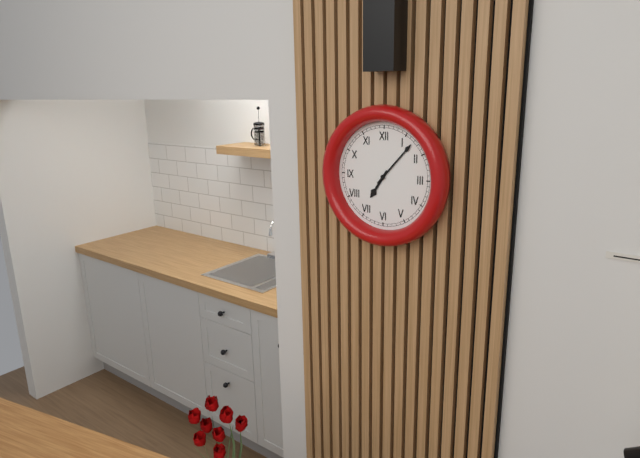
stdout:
{"hour": 7, "minute": 7}
